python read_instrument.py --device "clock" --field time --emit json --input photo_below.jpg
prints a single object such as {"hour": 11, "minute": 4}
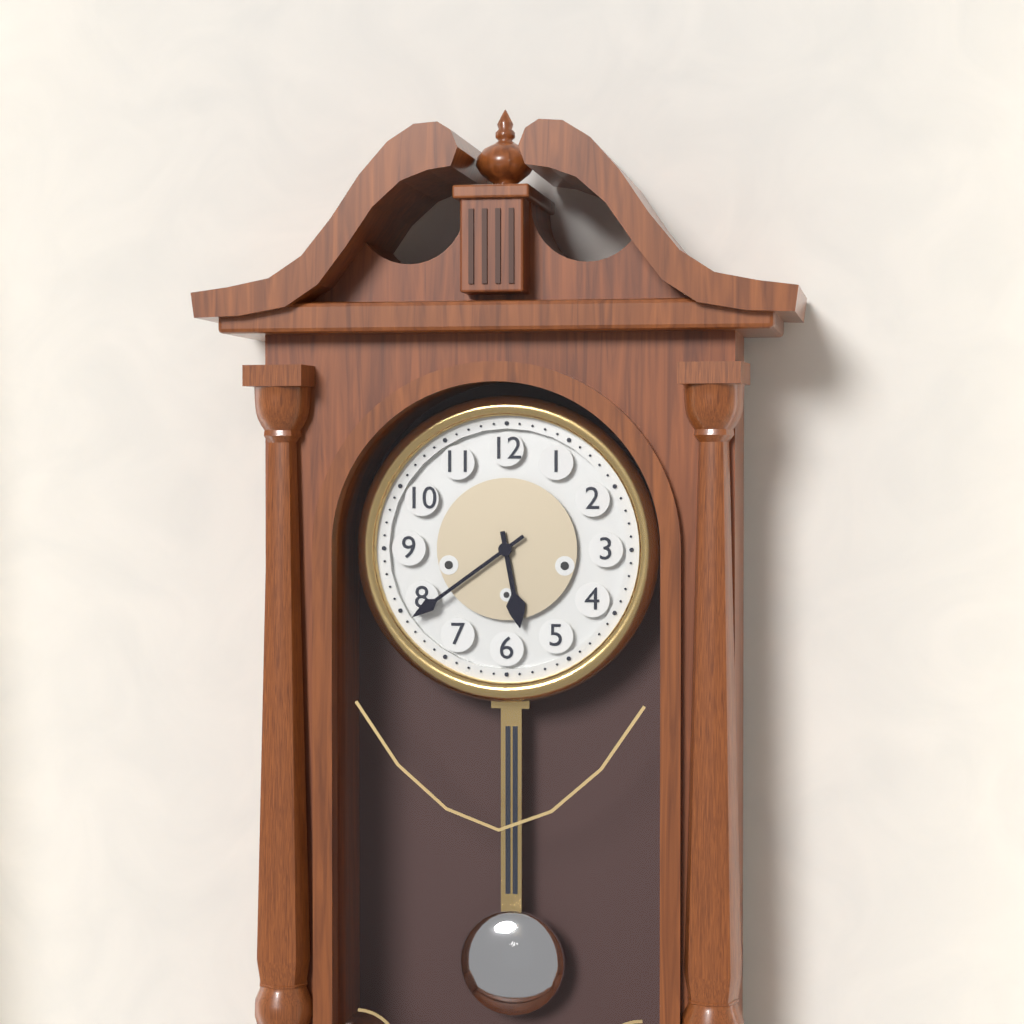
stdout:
{"hour": 5, "minute": 39}
